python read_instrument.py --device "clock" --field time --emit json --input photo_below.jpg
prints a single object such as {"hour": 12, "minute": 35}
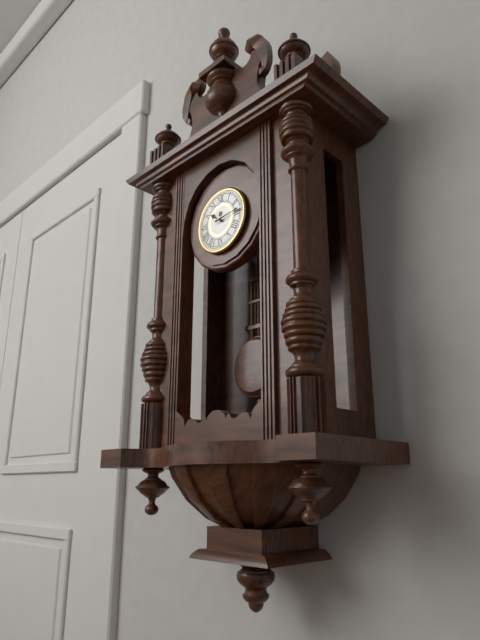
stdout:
{"hour": 10, "minute": 14}
